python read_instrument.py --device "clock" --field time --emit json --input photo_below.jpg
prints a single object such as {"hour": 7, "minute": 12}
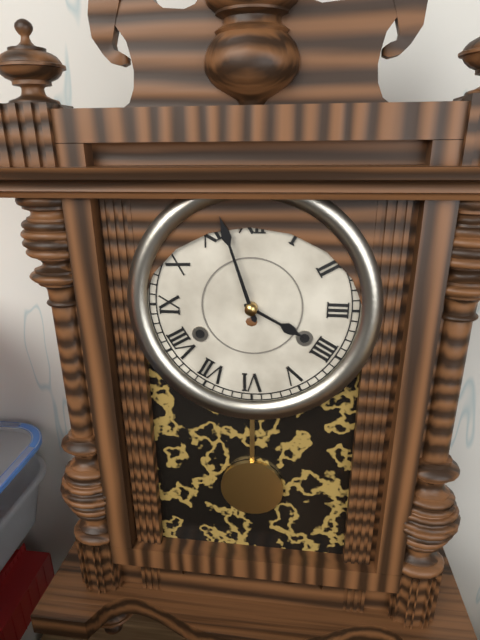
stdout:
{"hour": 3, "minute": 57}
